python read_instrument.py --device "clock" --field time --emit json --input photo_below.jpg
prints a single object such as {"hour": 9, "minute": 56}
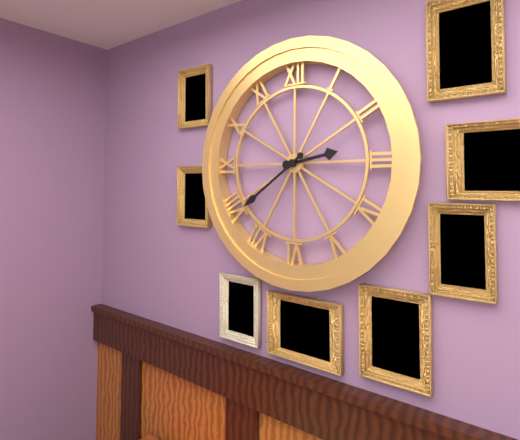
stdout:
{"hour": 2, "minute": 39}
